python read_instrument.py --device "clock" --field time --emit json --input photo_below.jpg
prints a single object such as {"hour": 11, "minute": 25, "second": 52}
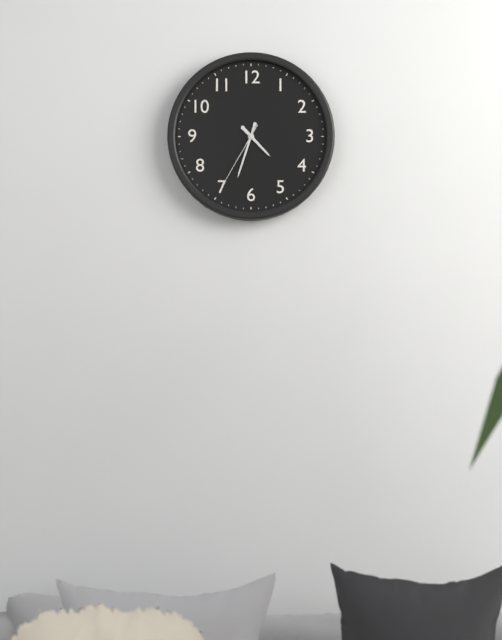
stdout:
{"hour": 4, "minute": 33, "second": 35}
